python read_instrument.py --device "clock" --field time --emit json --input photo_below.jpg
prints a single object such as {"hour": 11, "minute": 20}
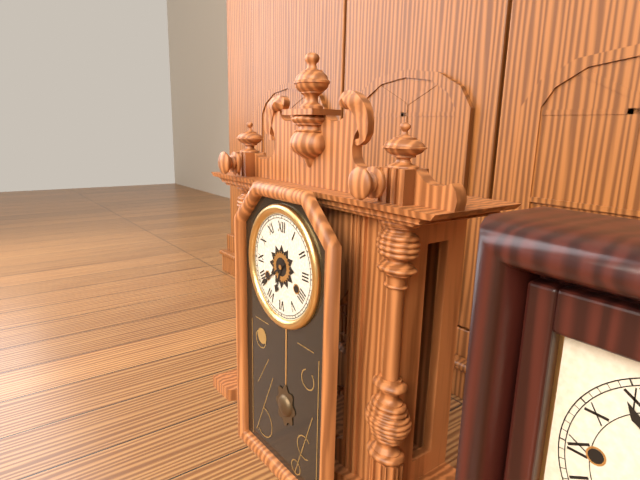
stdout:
{"hour": 6, "minute": 39}
